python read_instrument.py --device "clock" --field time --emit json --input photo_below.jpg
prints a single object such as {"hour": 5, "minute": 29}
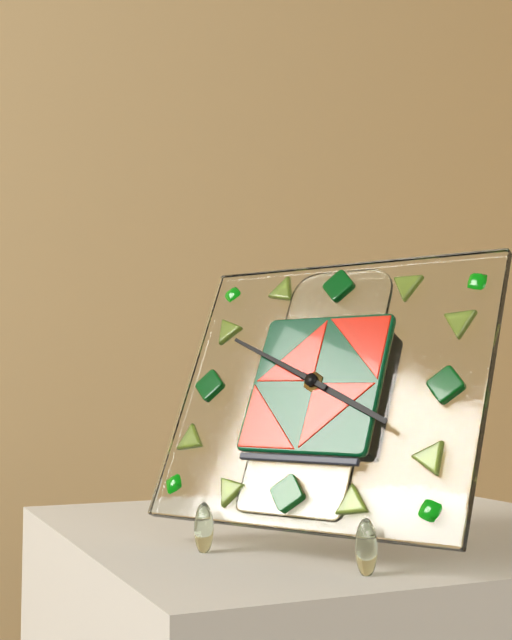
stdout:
{"hour": 3, "minute": 49}
